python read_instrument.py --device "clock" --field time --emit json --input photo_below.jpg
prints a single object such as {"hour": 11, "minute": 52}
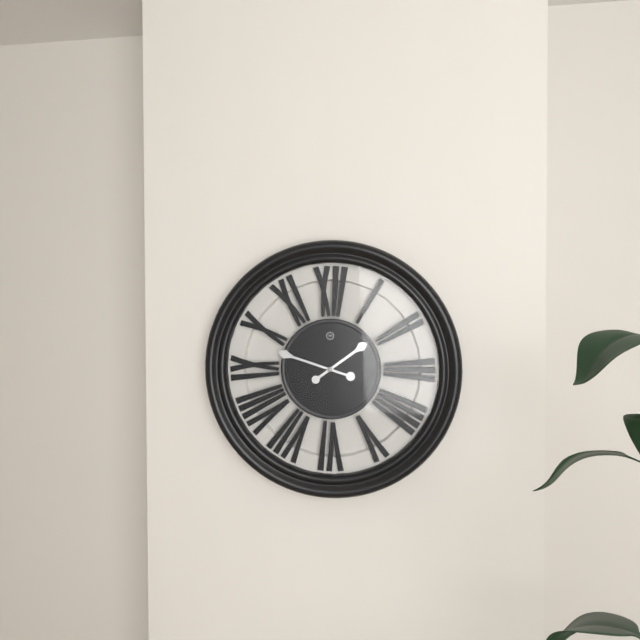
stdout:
{"hour": 1, "minute": 48}
